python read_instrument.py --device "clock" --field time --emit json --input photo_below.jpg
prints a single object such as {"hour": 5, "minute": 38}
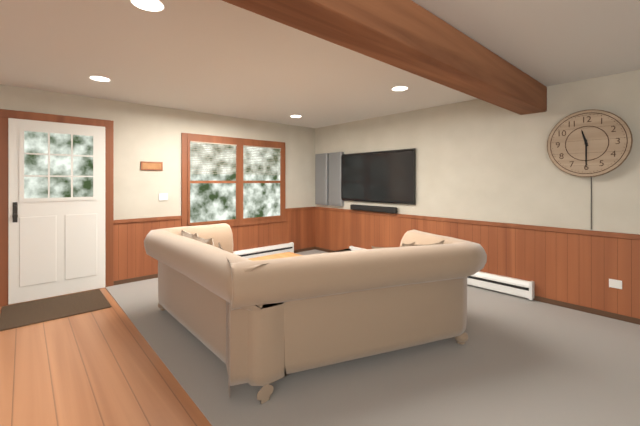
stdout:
{"hour": 11, "minute": 30}
